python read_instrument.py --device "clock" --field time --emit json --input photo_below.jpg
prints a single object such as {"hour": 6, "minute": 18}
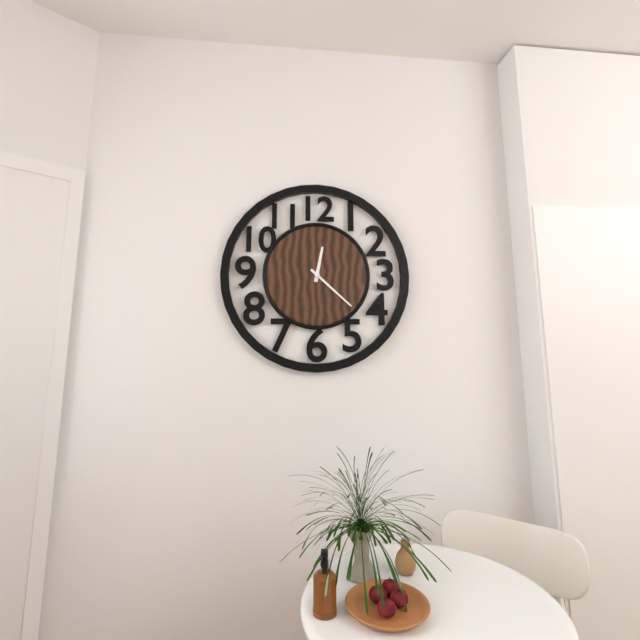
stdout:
{"hour": 12, "minute": 22}
